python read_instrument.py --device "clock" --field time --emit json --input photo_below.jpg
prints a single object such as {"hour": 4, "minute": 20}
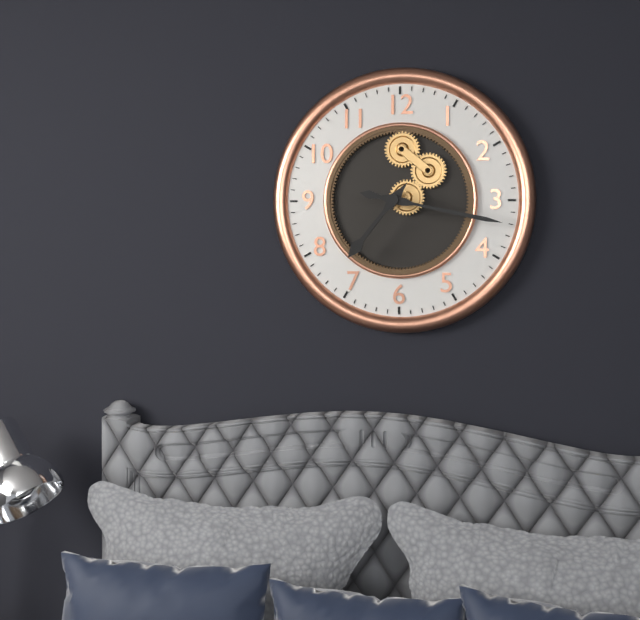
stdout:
{"hour": 7, "minute": 17}
